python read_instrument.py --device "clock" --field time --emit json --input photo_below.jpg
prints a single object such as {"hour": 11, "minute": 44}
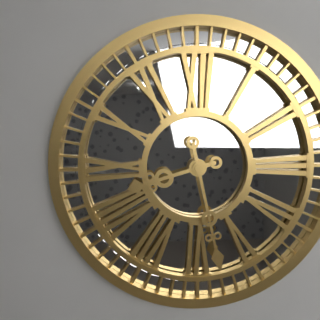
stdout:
{"hour": 8, "minute": 28}
